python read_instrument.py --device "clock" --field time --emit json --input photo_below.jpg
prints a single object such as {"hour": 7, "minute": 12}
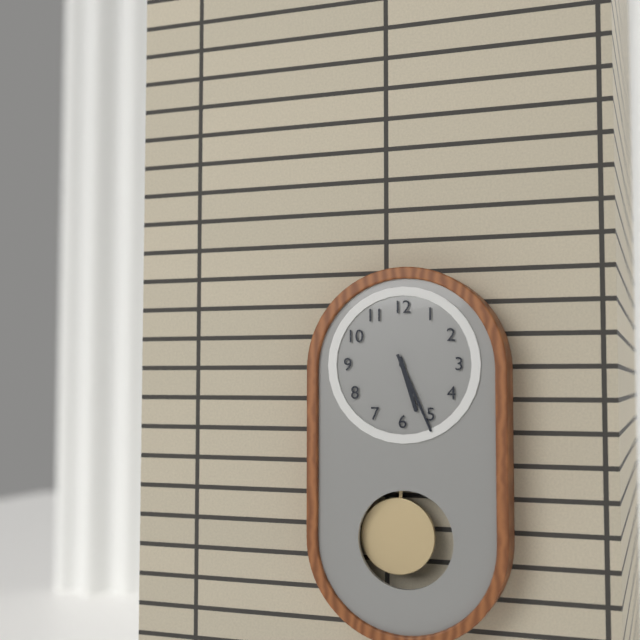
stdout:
{"hour": 5, "minute": 26}
